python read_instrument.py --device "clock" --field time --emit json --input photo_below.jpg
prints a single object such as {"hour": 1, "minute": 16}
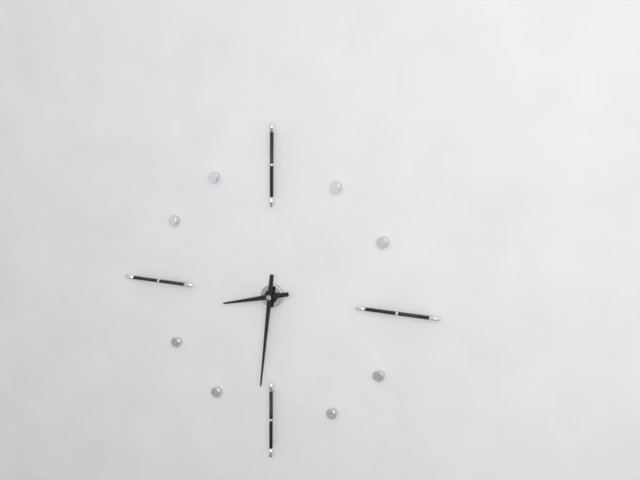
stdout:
{"hour": 8, "minute": 31}
